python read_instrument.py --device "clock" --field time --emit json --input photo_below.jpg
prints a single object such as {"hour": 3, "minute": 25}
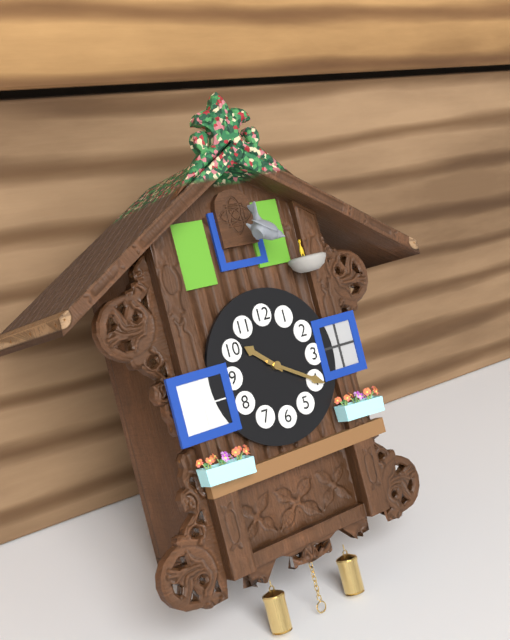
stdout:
{"hour": 10, "minute": 20}
